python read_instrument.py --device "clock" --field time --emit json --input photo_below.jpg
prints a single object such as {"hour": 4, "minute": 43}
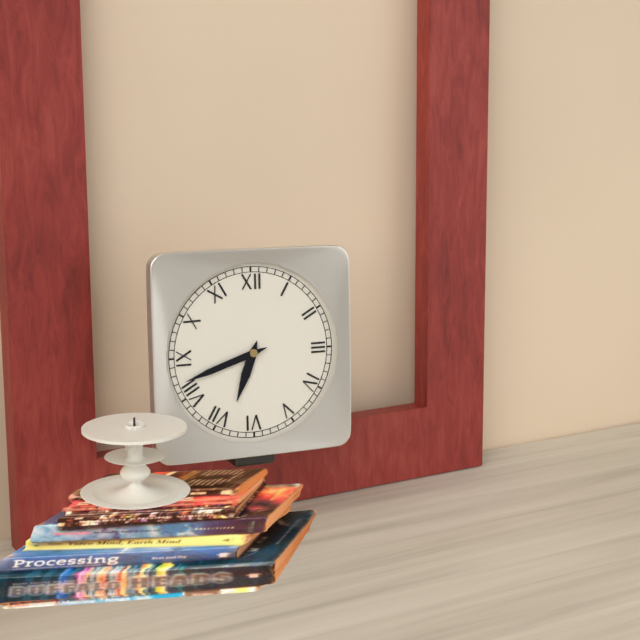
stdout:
{"hour": 6, "minute": 42}
